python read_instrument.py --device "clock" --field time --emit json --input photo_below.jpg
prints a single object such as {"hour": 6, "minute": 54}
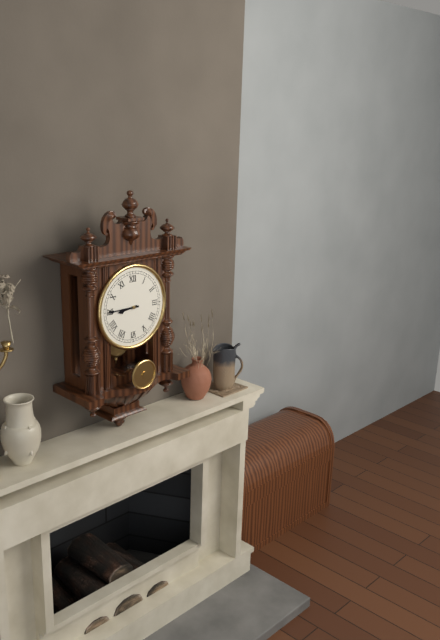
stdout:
{"hour": 8, "minute": 45}
